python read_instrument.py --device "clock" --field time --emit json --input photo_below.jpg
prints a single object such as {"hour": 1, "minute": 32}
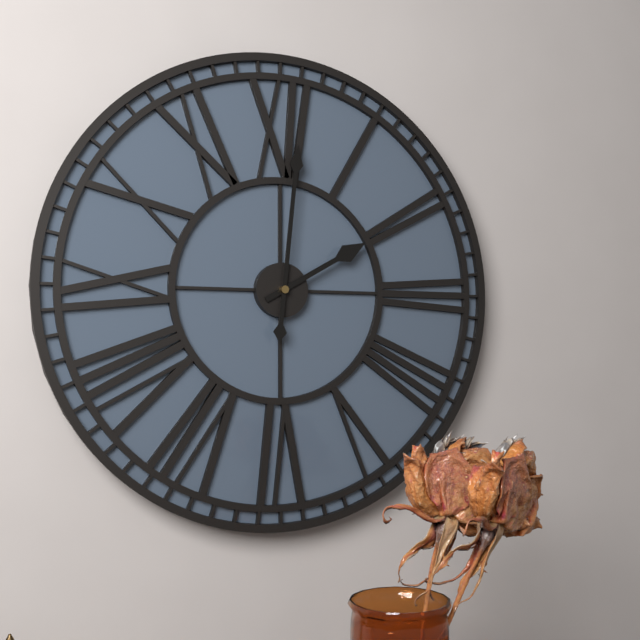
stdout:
{"hour": 2, "minute": 1}
